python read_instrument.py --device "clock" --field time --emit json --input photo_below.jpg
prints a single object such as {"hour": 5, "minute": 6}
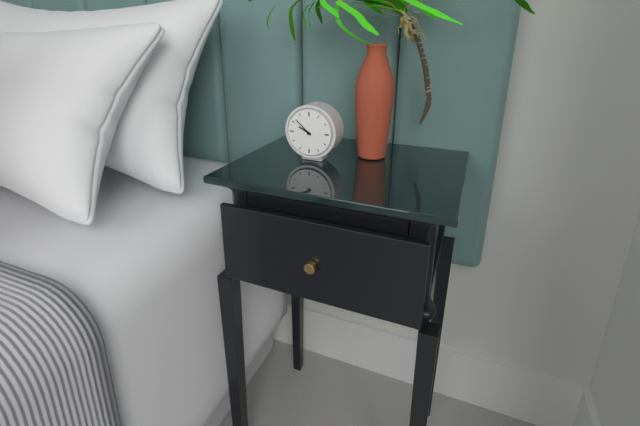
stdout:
{"hour": 9, "minute": 52}
